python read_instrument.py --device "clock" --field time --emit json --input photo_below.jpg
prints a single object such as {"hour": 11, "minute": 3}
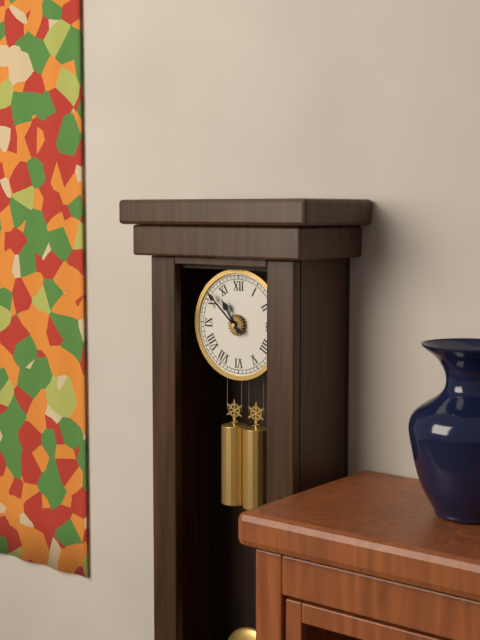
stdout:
{"hour": 10, "minute": 52}
